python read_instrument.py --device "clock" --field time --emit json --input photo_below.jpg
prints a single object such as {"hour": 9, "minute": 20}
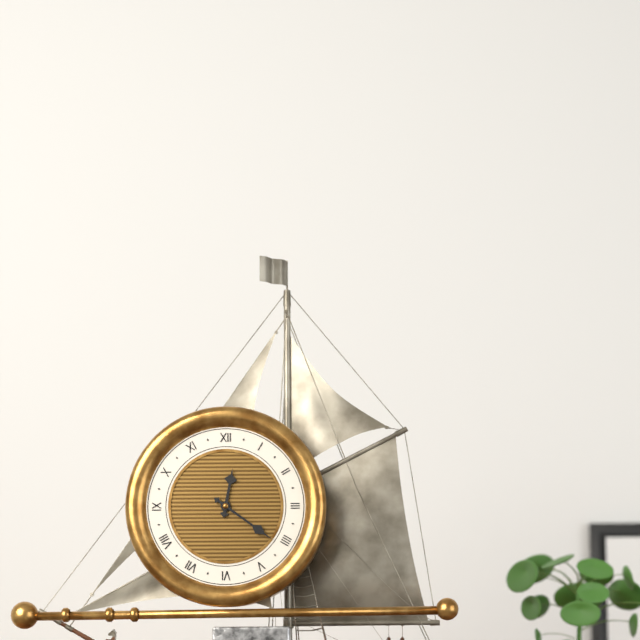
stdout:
{"hour": 12, "minute": 21}
